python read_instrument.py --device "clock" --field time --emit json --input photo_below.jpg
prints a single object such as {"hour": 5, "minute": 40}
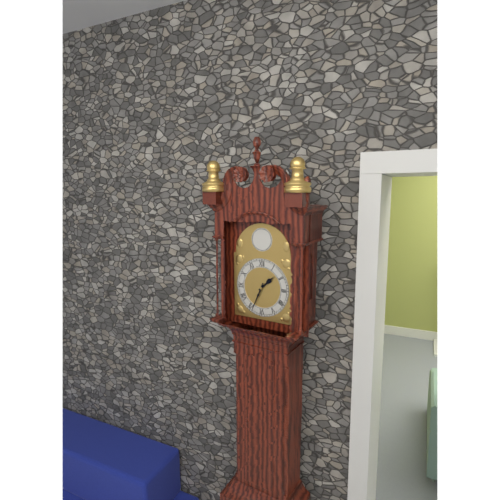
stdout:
{"hour": 1, "minute": 34}
